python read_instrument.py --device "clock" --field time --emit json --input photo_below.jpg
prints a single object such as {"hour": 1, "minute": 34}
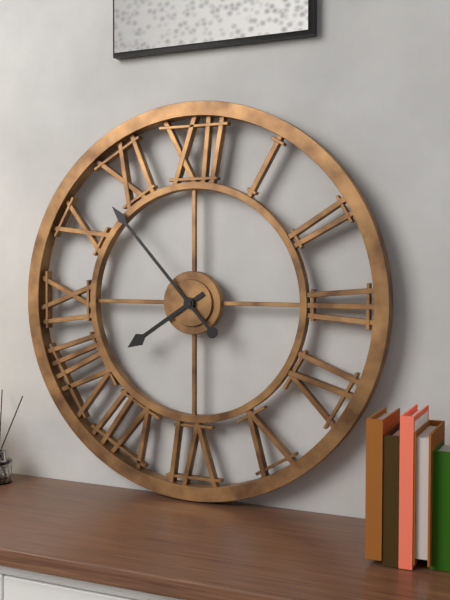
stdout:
{"hour": 7, "minute": 53}
